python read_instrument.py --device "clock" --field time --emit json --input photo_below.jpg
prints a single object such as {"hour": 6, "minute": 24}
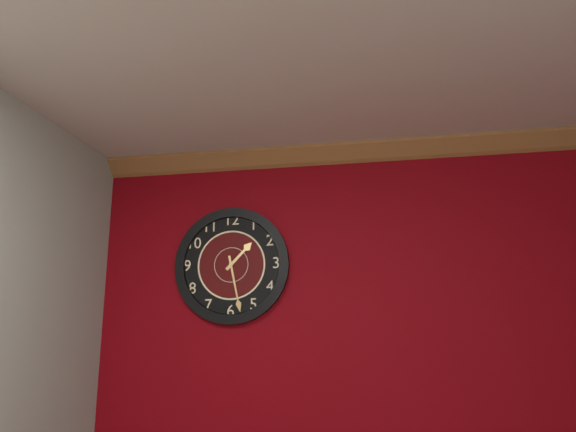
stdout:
{"hour": 1, "minute": 28}
